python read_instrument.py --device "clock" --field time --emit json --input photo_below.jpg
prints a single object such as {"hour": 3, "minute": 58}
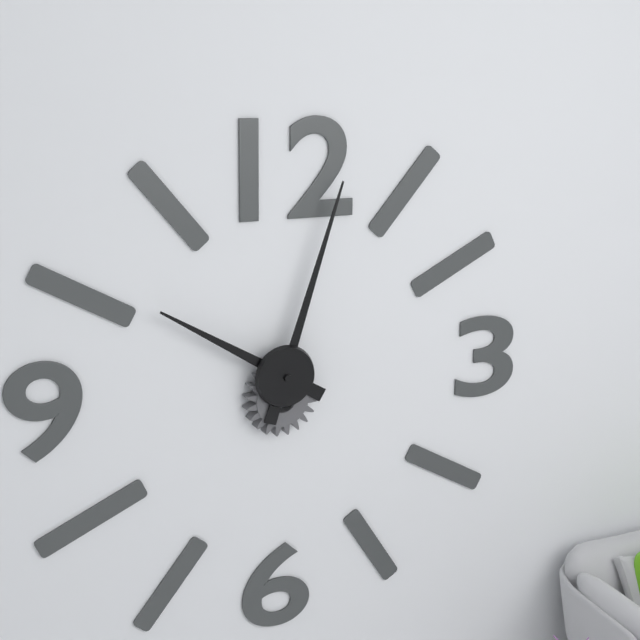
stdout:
{"hour": 10, "minute": 3}
